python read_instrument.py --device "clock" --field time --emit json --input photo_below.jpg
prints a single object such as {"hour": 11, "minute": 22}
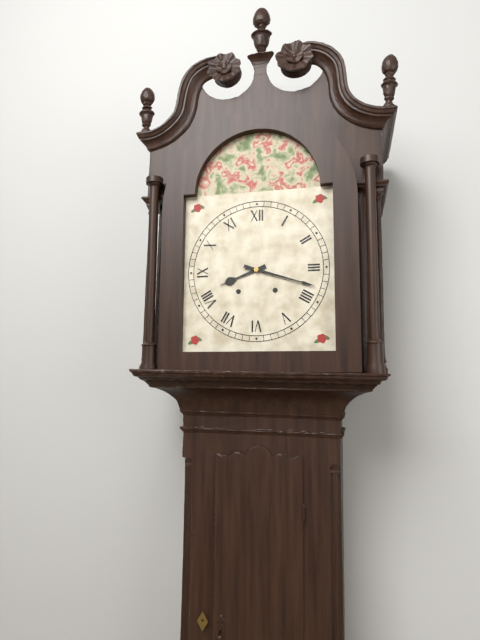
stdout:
{"hour": 8, "minute": 18}
